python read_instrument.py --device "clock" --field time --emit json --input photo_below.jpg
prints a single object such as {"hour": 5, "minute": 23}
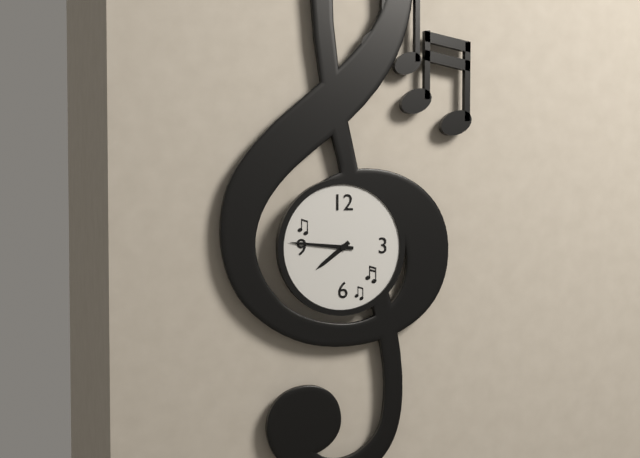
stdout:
{"hour": 7, "minute": 46}
